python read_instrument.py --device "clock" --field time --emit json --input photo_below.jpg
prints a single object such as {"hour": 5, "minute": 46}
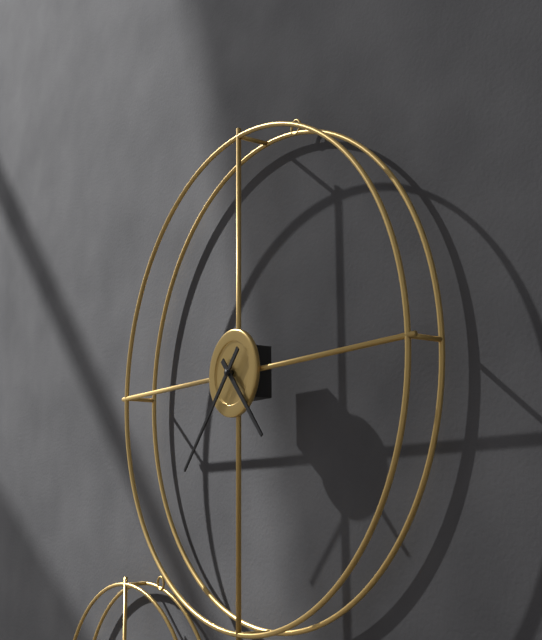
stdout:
{"hour": 4, "minute": 37}
